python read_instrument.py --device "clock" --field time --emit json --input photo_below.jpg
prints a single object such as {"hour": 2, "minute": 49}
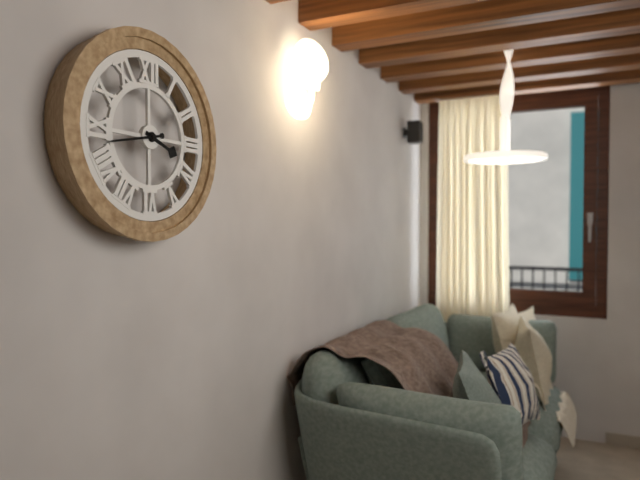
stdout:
{"hour": 3, "minute": 43}
